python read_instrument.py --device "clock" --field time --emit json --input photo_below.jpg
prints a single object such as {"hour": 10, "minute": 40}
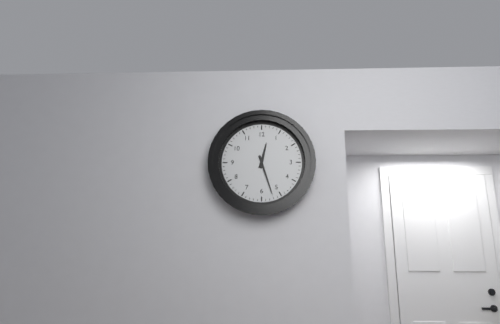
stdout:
{"hour": 12, "minute": 27}
